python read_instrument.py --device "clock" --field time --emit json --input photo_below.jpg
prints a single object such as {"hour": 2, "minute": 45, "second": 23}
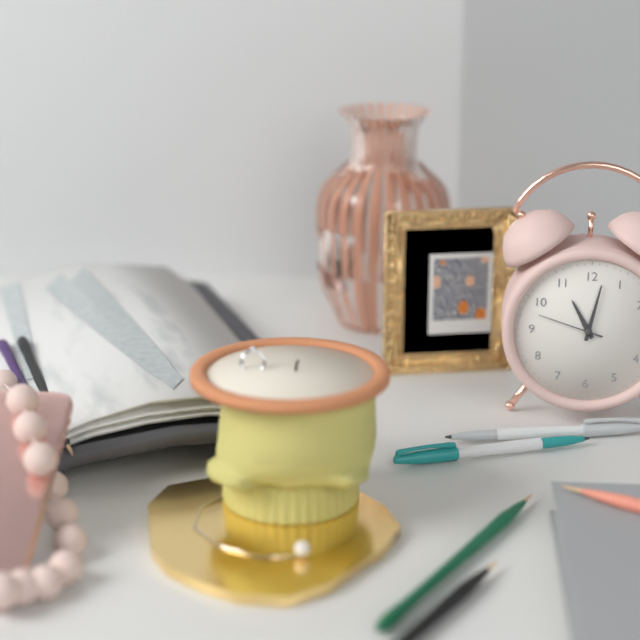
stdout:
{"hour": 11, "minute": 2, "second": 48}
